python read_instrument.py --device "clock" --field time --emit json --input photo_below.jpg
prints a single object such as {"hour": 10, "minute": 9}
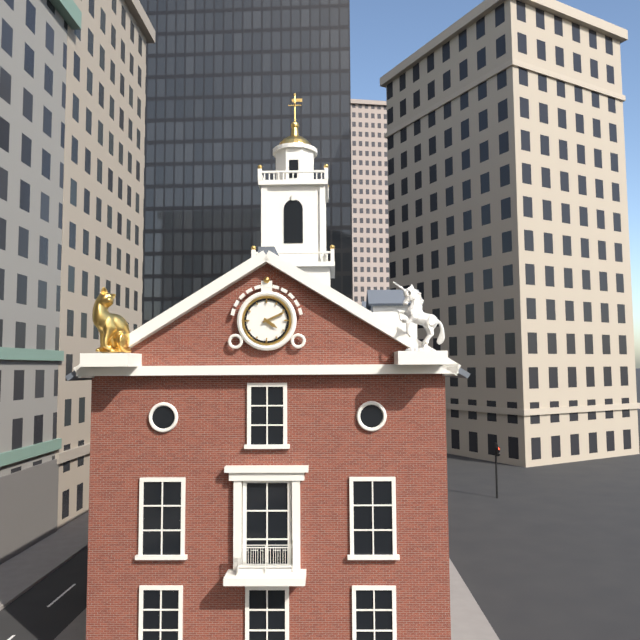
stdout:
{"hour": 4, "minute": 11}
